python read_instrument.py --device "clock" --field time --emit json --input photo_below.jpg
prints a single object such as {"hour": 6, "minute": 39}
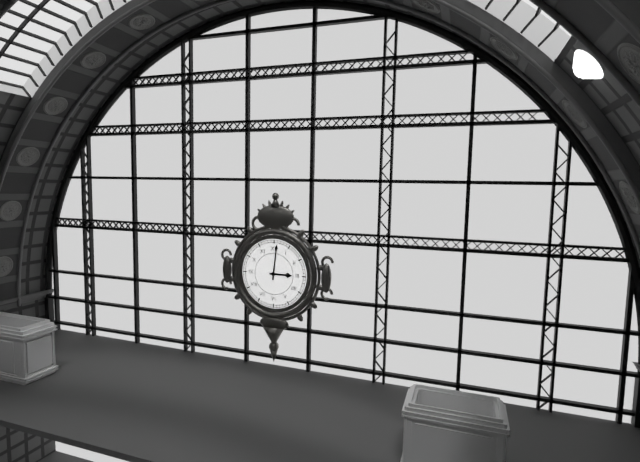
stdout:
{"hour": 3, "minute": 1}
